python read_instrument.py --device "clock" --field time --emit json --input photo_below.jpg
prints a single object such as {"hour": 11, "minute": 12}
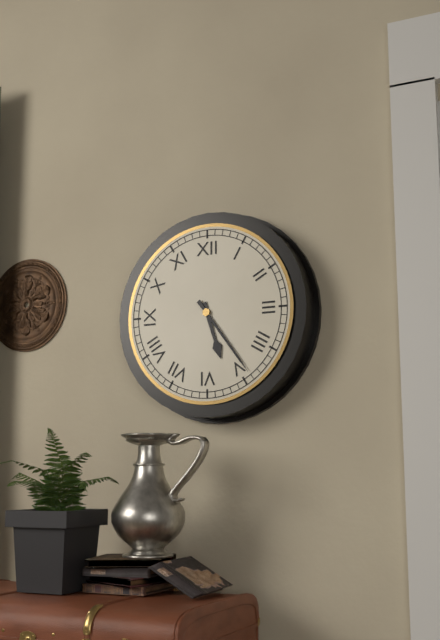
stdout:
{"hour": 5, "minute": 24}
